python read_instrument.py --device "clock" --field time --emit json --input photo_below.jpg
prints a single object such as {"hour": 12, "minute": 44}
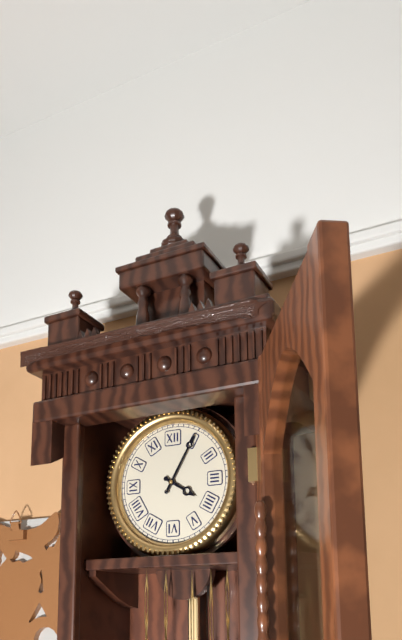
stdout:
{"hour": 4, "minute": 5}
